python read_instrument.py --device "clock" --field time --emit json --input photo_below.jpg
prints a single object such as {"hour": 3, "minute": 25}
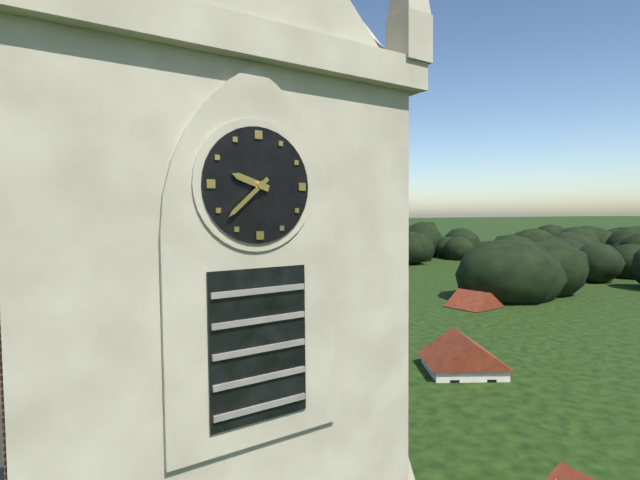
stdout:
{"hour": 9, "minute": 38}
